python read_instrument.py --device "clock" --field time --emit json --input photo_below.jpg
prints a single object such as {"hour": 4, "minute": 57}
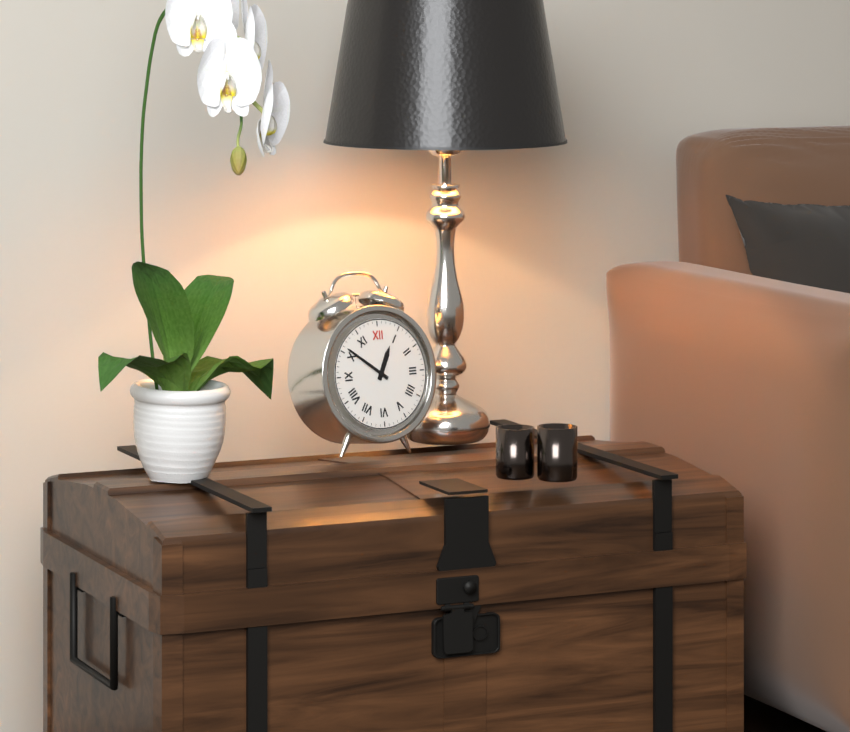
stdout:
{"hour": 12, "minute": 51}
